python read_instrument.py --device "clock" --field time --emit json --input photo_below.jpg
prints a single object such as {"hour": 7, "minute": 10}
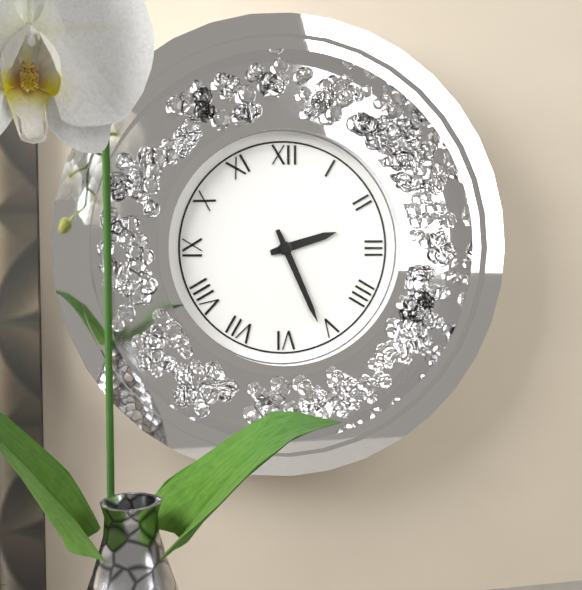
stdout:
{"hour": 2, "minute": 26}
